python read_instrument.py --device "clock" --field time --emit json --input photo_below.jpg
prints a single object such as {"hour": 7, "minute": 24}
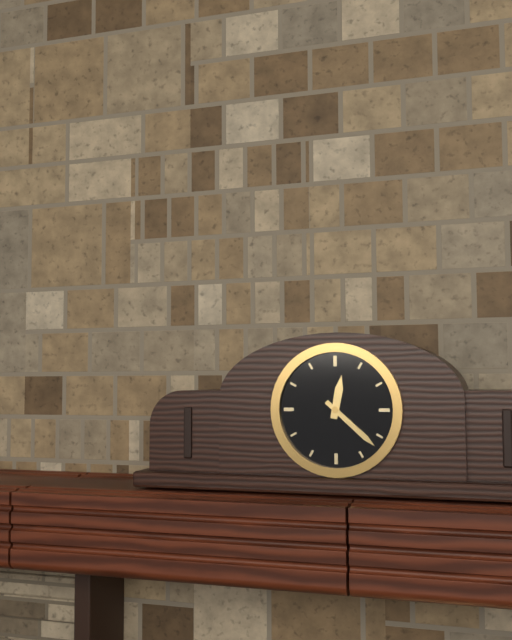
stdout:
{"hour": 12, "minute": 22}
